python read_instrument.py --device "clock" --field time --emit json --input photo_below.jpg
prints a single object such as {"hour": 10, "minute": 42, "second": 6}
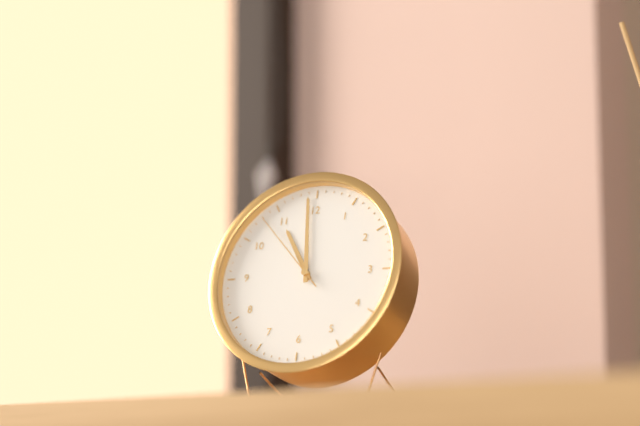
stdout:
{"hour": 10, "minute": 59, "second": 53}
